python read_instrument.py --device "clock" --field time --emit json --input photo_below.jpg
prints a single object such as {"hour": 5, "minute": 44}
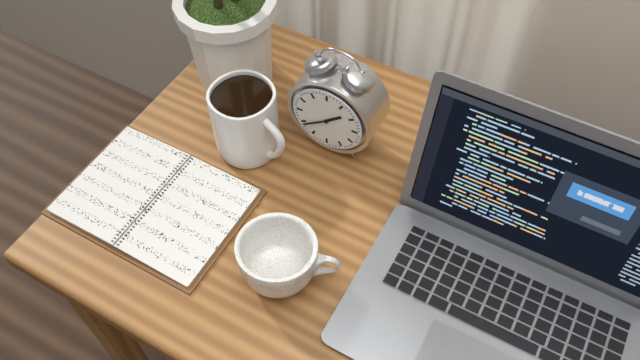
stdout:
{"hour": 1, "minute": 39}
